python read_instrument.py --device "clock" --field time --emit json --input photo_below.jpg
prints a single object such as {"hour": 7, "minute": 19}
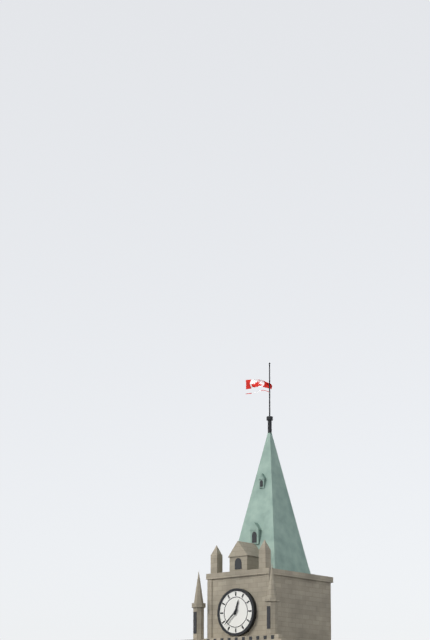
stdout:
{"hour": 12, "minute": 38}
